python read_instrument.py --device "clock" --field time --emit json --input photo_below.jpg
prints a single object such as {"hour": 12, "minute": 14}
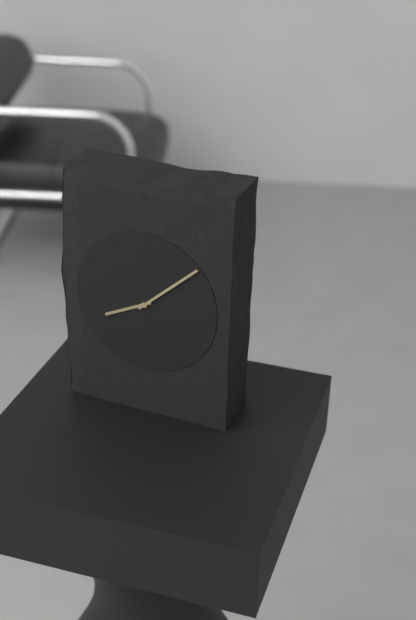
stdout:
{"hour": 8, "minute": 8}
